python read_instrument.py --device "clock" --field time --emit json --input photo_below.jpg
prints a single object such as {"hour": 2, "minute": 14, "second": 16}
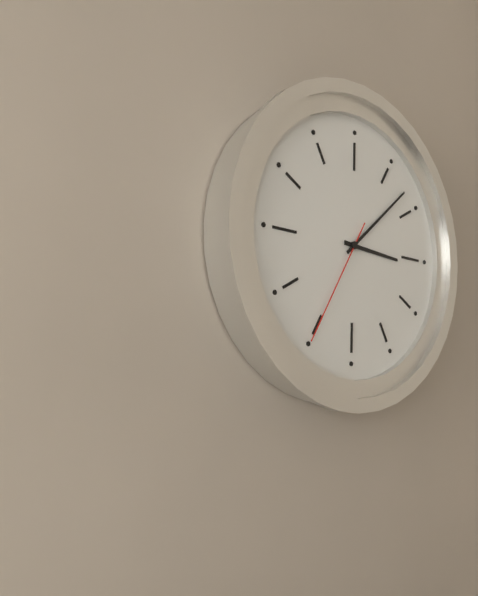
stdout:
{"hour": 3, "minute": 8, "second": 35}
